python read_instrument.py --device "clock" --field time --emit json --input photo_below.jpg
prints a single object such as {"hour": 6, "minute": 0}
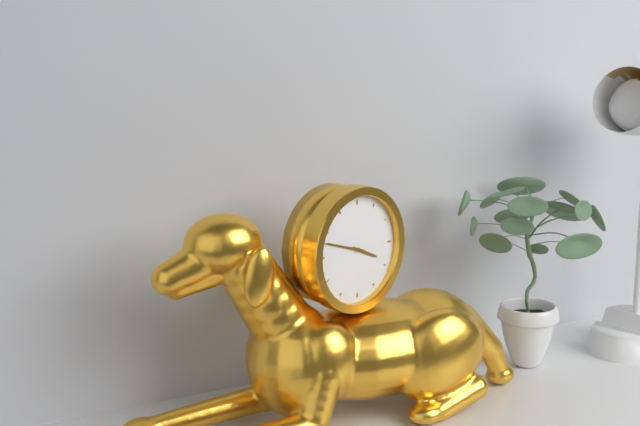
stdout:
{"hour": 3, "minute": 48}
